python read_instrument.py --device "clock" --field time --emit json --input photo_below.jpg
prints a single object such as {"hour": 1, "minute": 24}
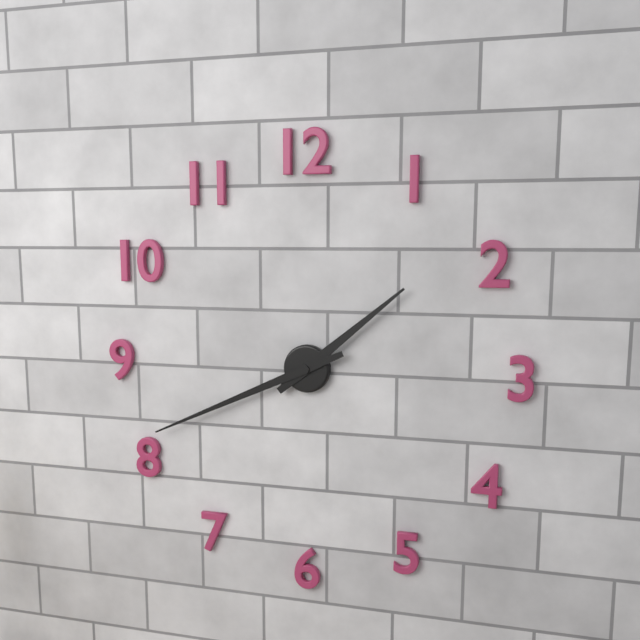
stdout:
{"hour": 1, "minute": 41}
